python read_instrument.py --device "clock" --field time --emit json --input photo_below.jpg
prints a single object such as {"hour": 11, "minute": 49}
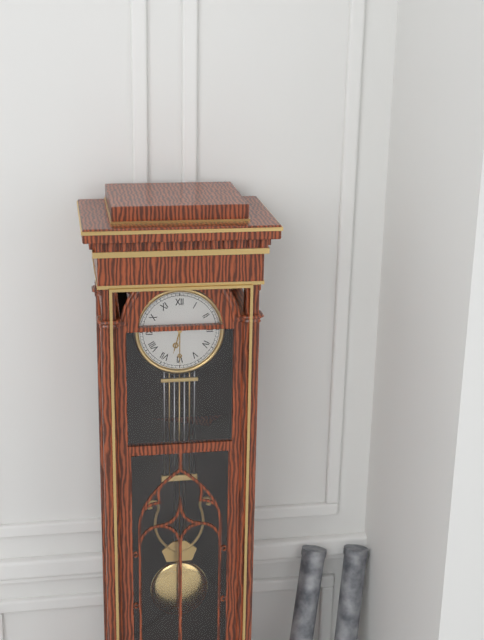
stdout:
{"hour": 6, "minute": 30}
